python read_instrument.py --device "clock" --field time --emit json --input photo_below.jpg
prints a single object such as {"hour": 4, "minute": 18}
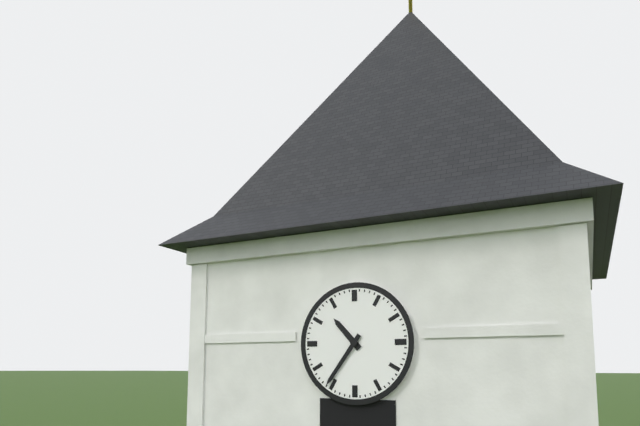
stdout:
{"hour": 10, "minute": 36}
